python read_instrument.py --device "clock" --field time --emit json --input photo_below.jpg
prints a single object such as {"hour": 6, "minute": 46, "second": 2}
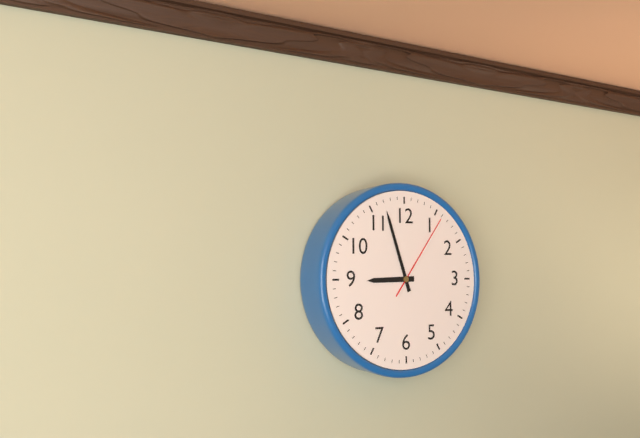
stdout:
{"hour": 8, "minute": 57, "second": 6}
